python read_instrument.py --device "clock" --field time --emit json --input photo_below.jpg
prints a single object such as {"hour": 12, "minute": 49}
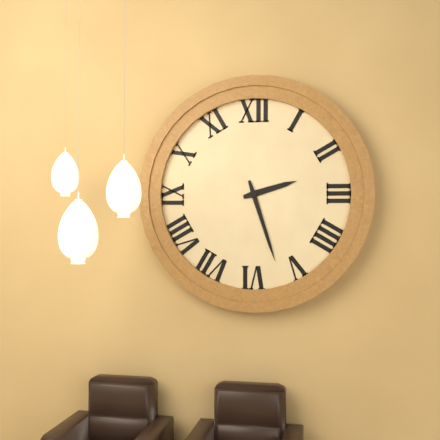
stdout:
{"hour": 2, "minute": 27}
